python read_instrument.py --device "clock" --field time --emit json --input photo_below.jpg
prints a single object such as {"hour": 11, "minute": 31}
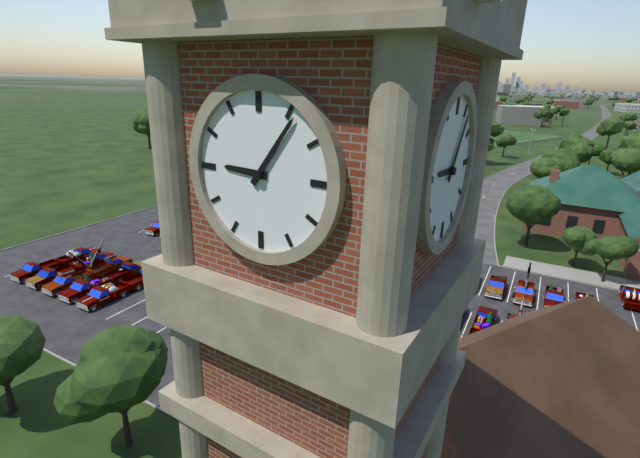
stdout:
{"hour": 9, "minute": 6}
